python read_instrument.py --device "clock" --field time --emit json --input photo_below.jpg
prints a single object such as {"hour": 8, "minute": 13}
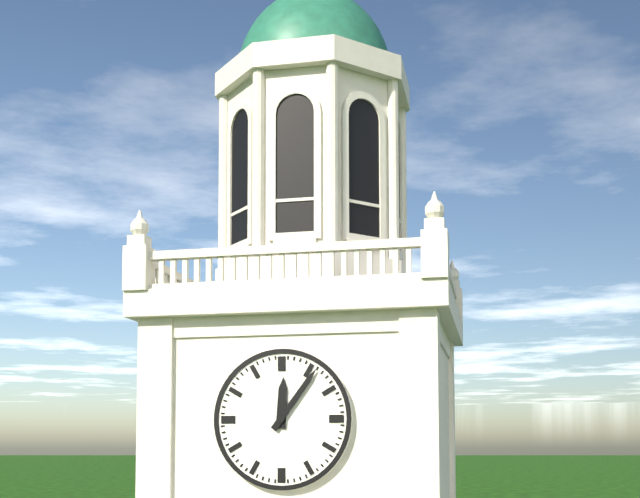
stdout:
{"hour": 12, "minute": 6}
